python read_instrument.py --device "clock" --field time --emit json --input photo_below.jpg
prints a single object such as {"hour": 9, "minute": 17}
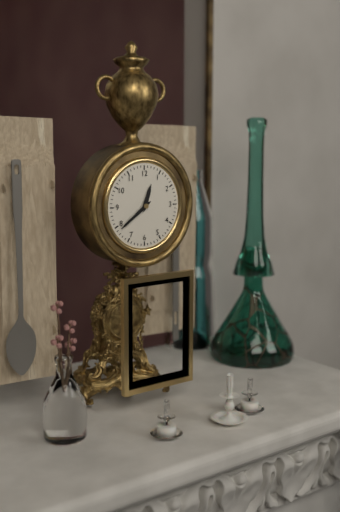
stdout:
{"hour": 12, "minute": 39}
